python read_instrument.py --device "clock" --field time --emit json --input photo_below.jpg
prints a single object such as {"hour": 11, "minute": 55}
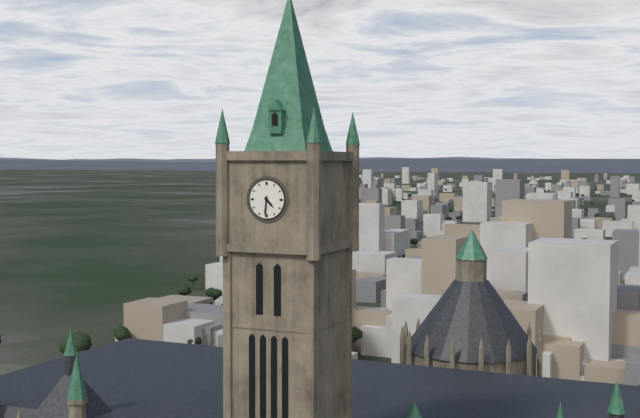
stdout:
{"hour": 4, "minute": 31}
